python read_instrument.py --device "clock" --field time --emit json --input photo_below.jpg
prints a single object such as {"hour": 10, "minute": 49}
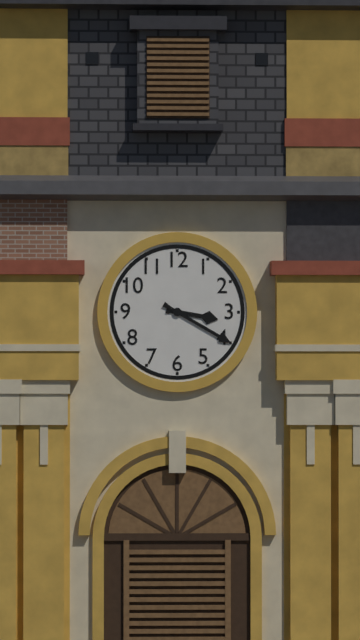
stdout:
{"hour": 3, "minute": 20}
